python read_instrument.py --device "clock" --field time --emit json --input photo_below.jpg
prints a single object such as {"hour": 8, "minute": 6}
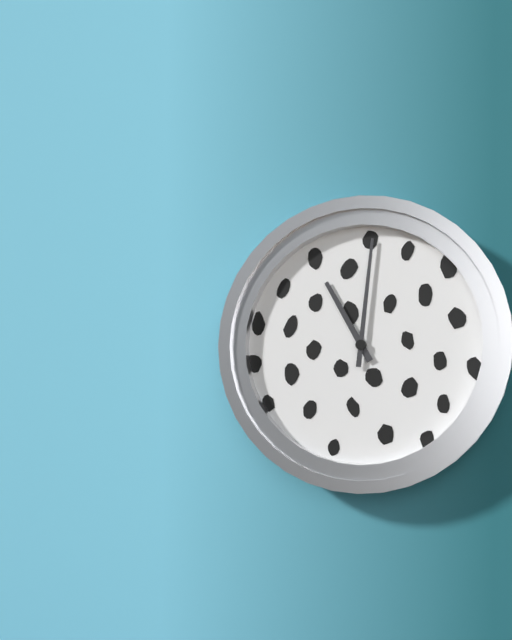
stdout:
{"hour": 11, "minute": 1}
